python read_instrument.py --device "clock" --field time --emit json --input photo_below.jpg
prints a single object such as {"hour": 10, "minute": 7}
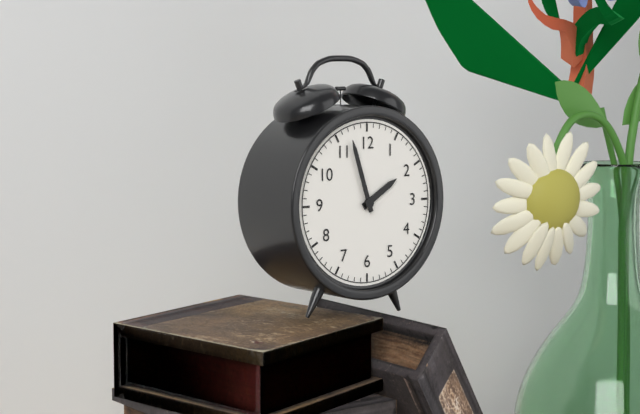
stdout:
{"hour": 1, "minute": 57}
